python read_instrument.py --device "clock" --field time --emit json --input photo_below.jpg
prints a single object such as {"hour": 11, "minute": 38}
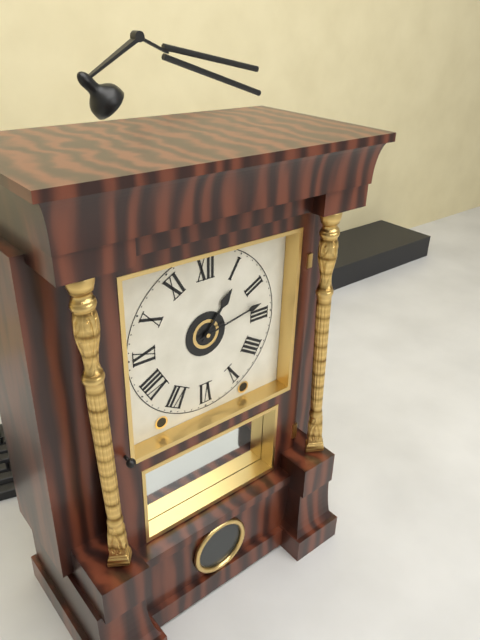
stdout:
{"hour": 1, "minute": 13}
